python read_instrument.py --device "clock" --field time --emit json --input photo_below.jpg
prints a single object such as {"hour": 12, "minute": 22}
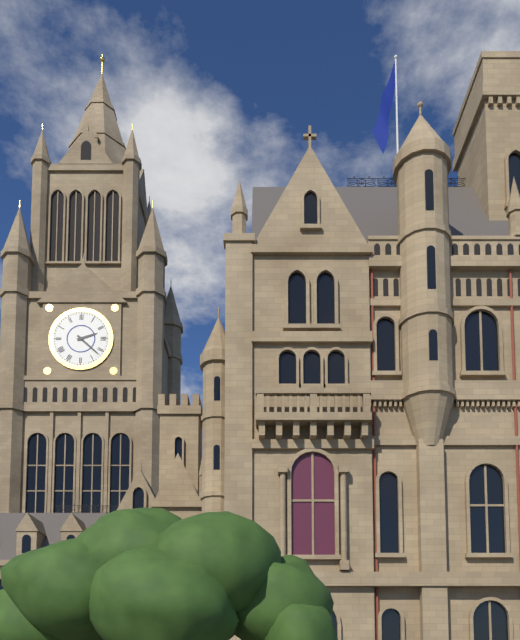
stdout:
{"hour": 2, "minute": 22}
